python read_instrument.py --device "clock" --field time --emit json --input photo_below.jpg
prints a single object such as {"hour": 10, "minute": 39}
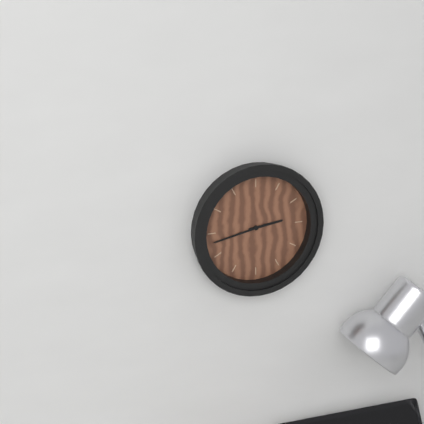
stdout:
{"hour": 2, "minute": 43}
